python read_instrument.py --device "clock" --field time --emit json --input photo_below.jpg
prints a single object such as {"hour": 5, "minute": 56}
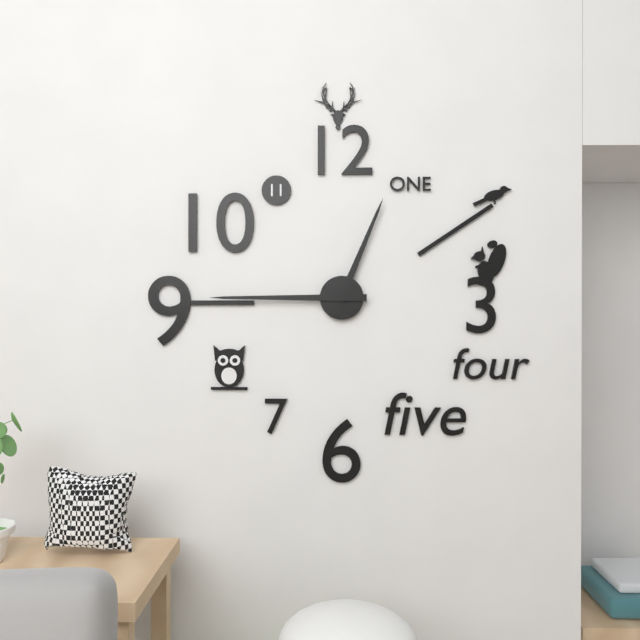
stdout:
{"hour": 12, "minute": 45}
